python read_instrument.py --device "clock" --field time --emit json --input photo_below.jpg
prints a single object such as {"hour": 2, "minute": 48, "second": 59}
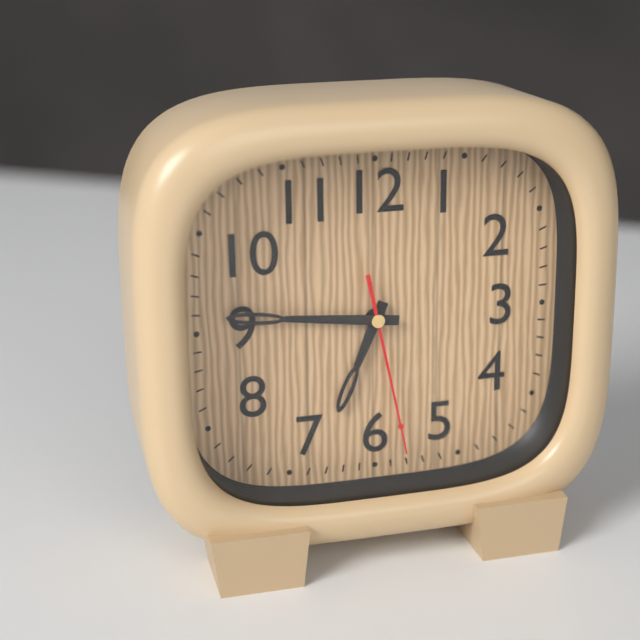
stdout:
{"hour": 6, "minute": 46, "second": 28}
